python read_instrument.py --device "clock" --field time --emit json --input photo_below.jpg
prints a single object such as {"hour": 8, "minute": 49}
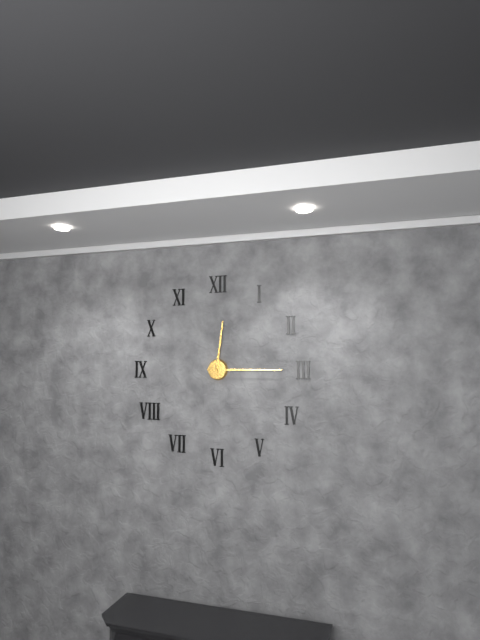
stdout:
{"hour": 12, "minute": 15}
